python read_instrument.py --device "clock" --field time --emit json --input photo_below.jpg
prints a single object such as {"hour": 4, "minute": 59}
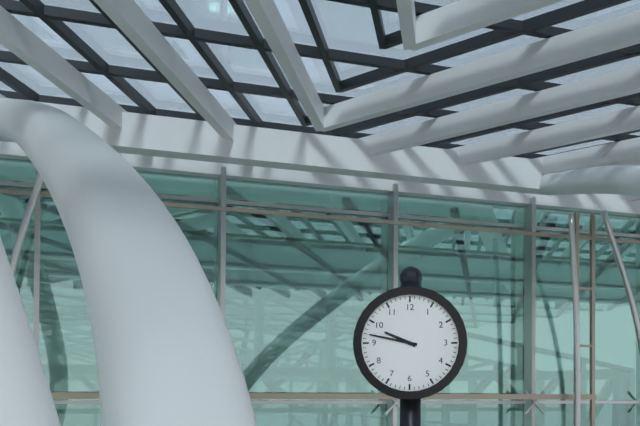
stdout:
{"hour": 9, "minute": 47}
